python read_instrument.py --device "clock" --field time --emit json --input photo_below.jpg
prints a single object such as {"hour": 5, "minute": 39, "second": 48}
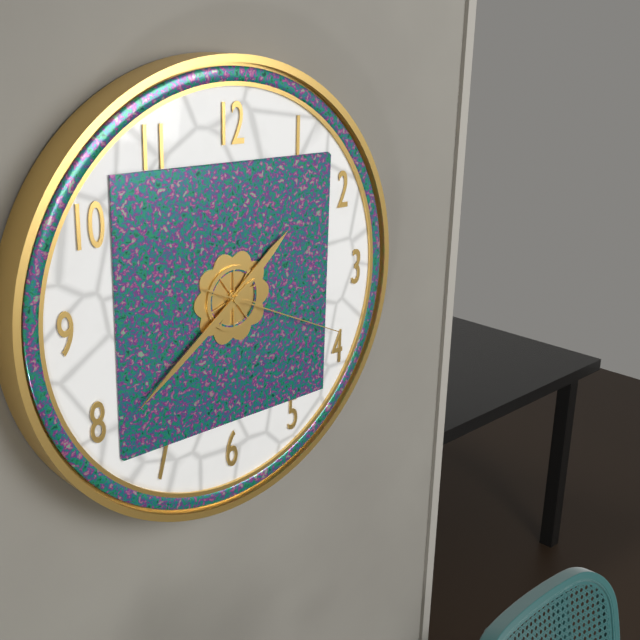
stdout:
{"hour": 1, "minute": 39, "second": 19}
